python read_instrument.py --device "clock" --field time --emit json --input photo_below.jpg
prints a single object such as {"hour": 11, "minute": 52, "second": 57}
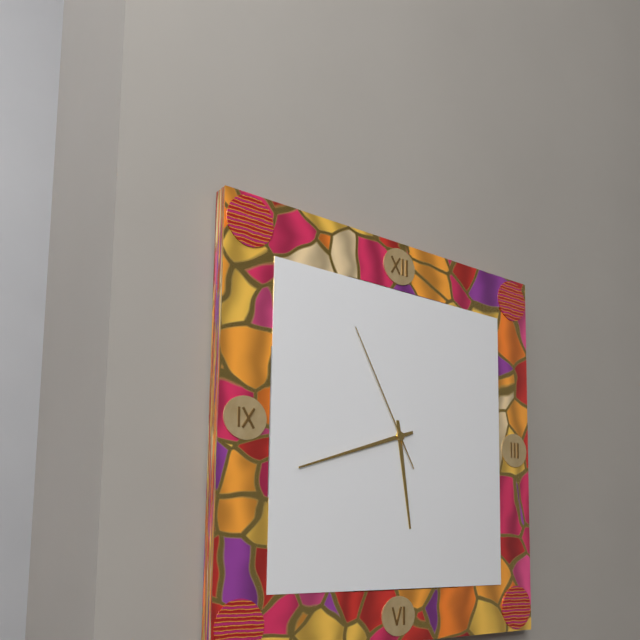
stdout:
{"hour": 5, "minute": 42, "second": 55}
